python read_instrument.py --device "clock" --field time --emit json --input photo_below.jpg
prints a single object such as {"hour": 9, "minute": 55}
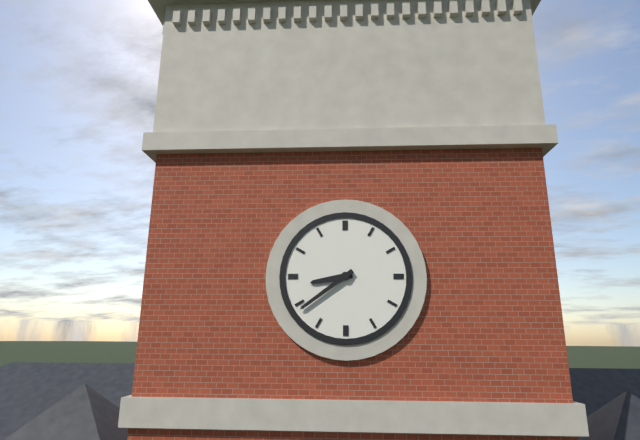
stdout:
{"hour": 8, "minute": 39}
